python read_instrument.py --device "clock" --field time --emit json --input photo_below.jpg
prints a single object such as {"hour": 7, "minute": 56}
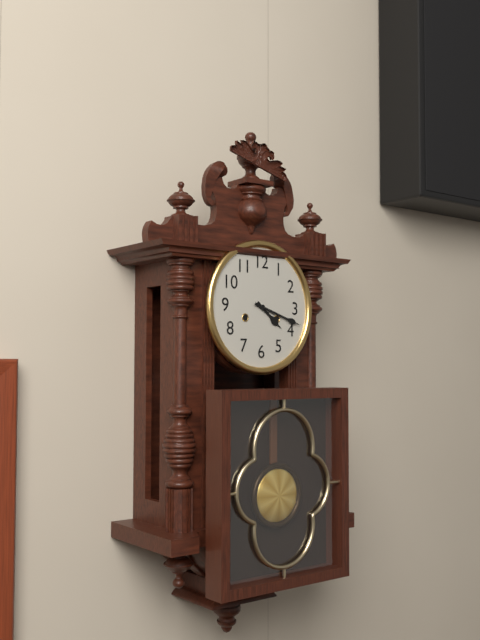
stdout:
{"hour": 4, "minute": 18}
